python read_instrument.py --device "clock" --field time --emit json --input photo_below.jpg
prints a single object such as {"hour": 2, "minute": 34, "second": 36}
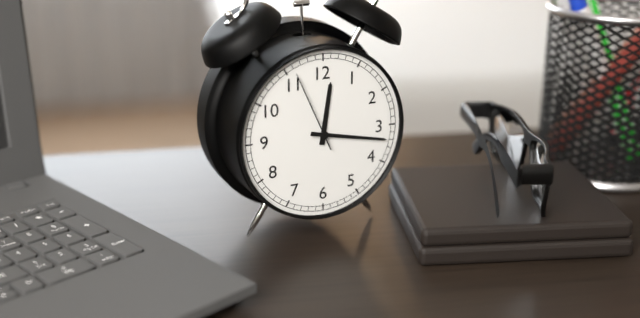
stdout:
{"hour": 12, "minute": 17, "second": 56}
